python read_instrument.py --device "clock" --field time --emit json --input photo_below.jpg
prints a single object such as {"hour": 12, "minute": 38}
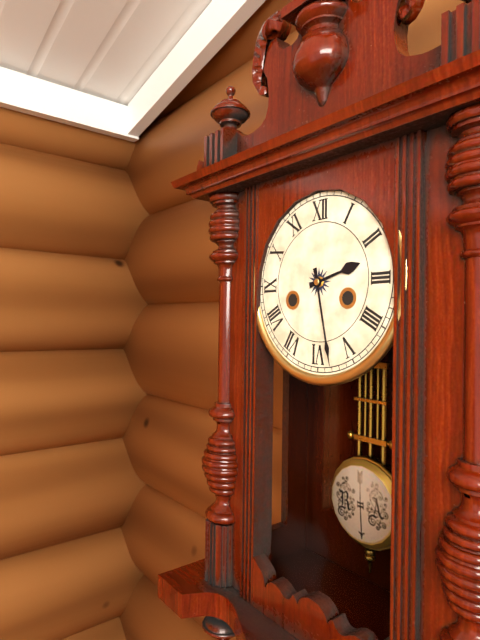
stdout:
{"hour": 2, "minute": 28}
